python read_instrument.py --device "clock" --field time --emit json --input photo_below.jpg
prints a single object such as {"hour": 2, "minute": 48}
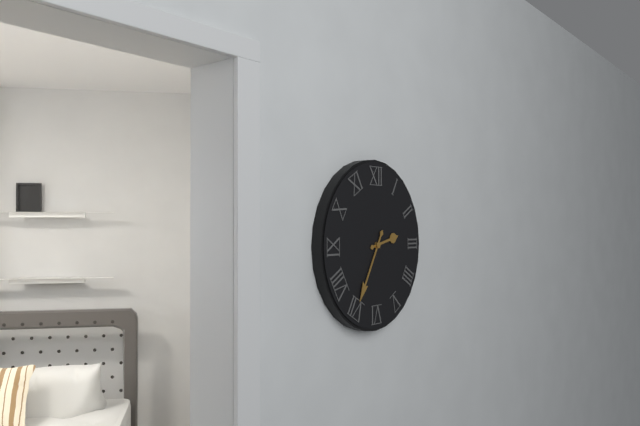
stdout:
{"hour": 2, "minute": 35}
